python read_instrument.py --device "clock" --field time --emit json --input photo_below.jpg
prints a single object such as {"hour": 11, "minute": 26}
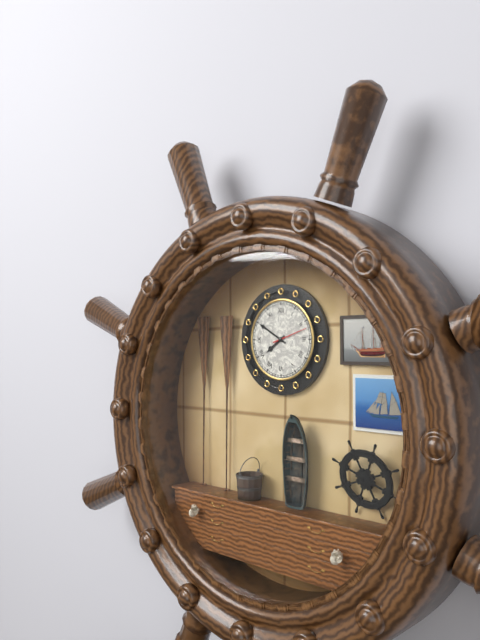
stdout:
{"hour": 7, "minute": 50}
